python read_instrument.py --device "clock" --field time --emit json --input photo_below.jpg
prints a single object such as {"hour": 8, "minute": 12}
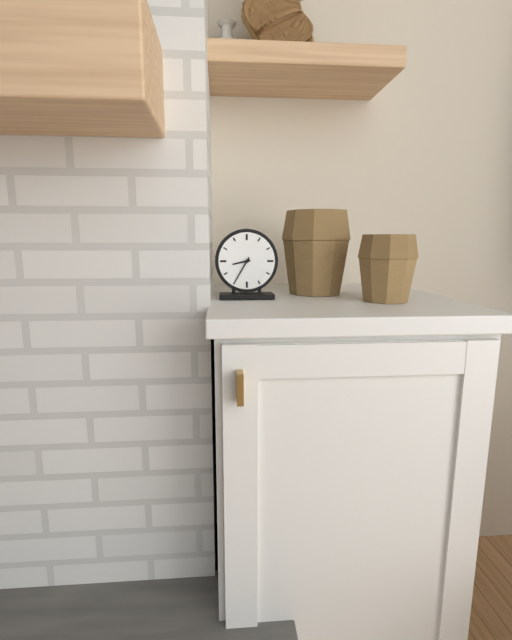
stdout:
{"hour": 8, "minute": 35}
